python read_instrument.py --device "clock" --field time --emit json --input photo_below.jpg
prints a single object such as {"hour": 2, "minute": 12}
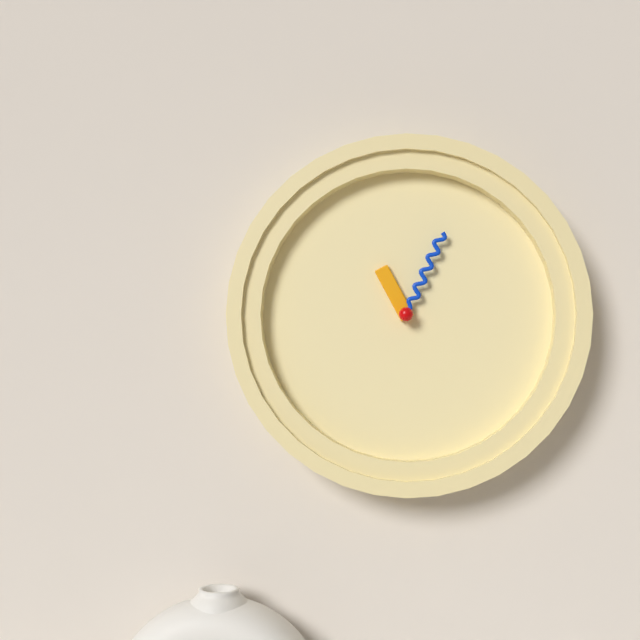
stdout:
{"hour": 11, "minute": 4}
